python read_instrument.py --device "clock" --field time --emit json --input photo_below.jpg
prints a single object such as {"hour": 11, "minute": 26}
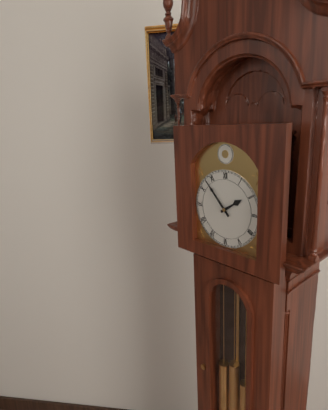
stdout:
{"hour": 1, "minute": 53}
